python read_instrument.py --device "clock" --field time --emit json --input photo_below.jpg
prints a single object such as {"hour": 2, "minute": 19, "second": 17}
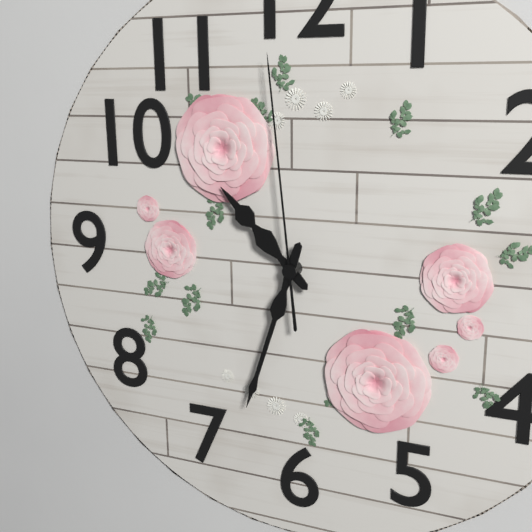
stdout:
{"hour": 10, "minute": 33, "second": 59}
